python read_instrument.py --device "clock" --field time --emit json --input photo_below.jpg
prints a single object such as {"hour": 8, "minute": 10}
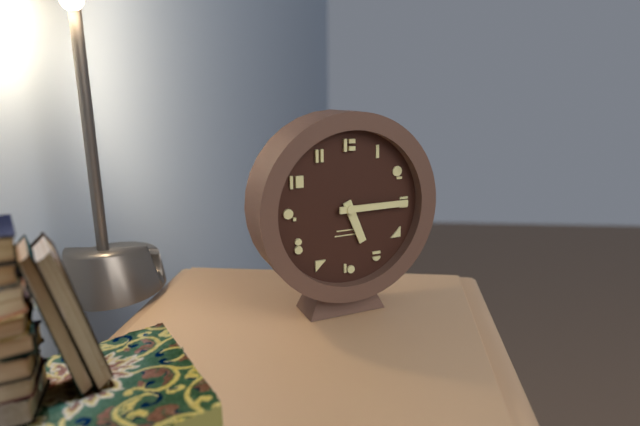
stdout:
{"hour": 5, "minute": 15}
